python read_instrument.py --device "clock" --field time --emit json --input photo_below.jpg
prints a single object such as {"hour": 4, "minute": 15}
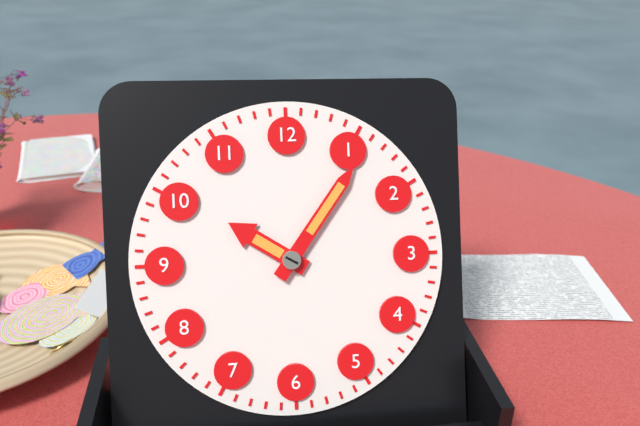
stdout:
{"hour": 10, "minute": 6}
